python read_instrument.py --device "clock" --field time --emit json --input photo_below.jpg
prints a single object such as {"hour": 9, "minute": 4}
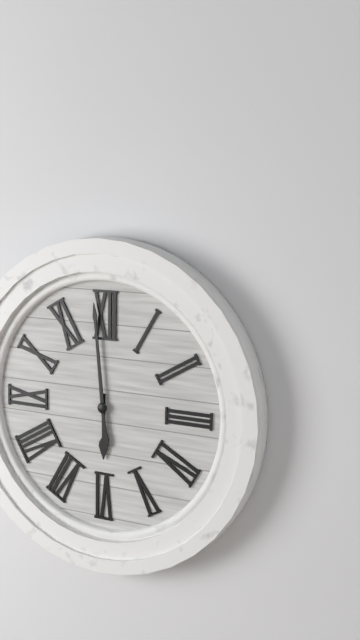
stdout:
{"hour": 5, "minute": 59}
